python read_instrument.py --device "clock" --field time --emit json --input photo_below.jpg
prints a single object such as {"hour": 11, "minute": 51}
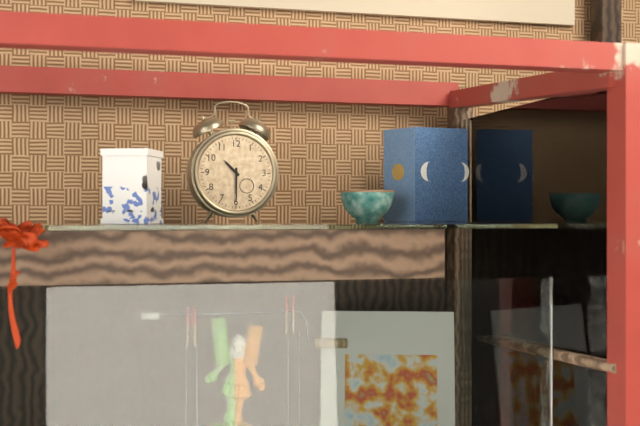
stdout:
{"hour": 10, "minute": 30}
